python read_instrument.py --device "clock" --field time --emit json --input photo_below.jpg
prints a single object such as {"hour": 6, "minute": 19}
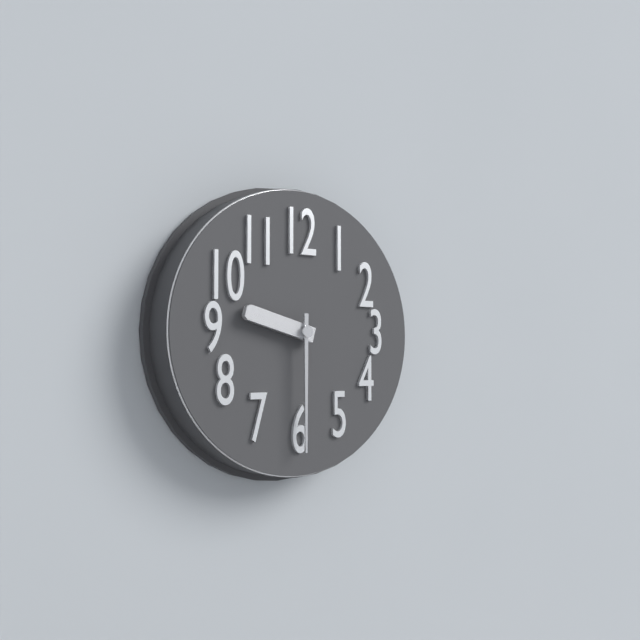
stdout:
{"hour": 9, "minute": 30}
